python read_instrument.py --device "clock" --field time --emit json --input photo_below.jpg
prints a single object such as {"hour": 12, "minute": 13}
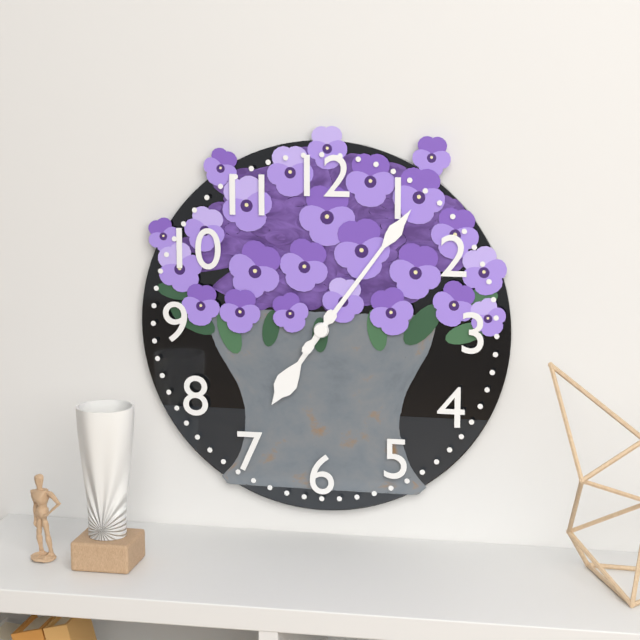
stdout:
{"hour": 7, "minute": 6}
